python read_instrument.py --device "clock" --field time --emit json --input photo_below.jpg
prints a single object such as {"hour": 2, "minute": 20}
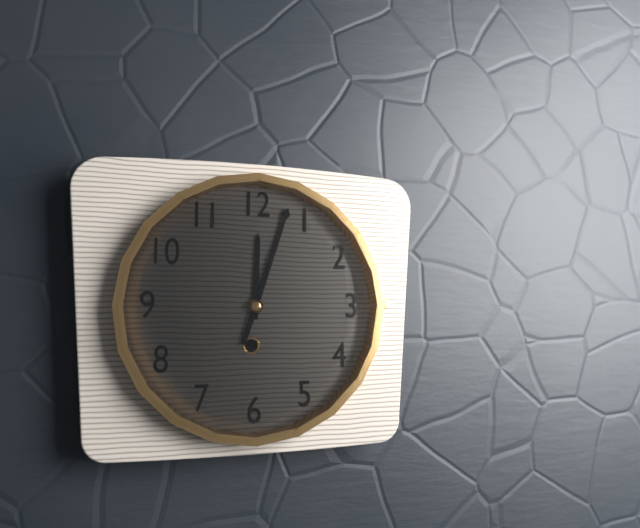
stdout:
{"hour": 12, "minute": 3}
